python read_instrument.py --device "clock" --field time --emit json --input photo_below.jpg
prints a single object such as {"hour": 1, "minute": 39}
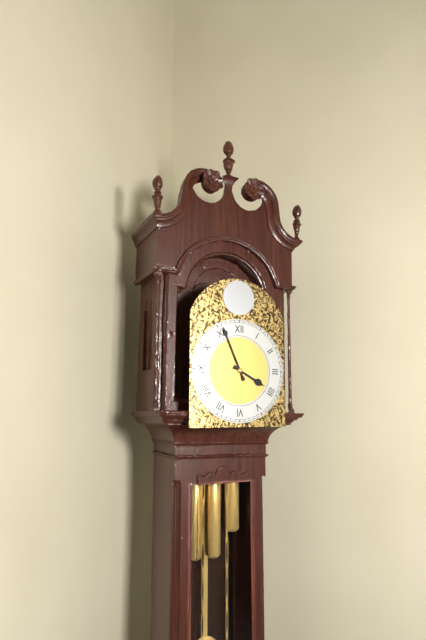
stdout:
{"hour": 3, "minute": 56}
